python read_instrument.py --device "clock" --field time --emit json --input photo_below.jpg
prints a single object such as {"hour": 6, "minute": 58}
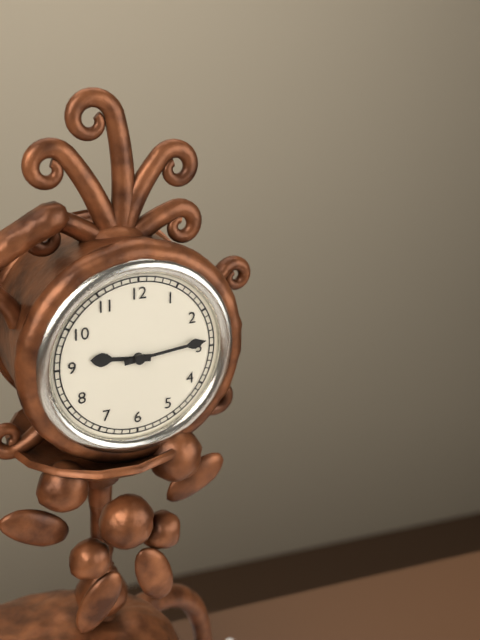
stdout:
{"hour": 9, "minute": 14}
